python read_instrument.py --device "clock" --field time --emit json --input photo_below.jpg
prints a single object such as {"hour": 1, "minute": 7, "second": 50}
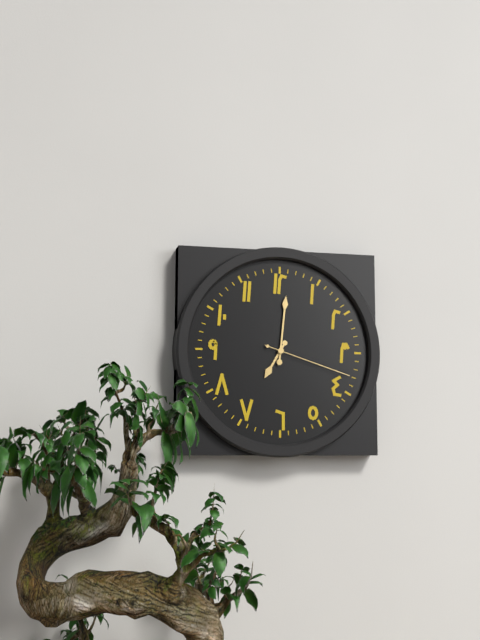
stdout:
{"hour": 7, "minute": 1, "second": 18}
